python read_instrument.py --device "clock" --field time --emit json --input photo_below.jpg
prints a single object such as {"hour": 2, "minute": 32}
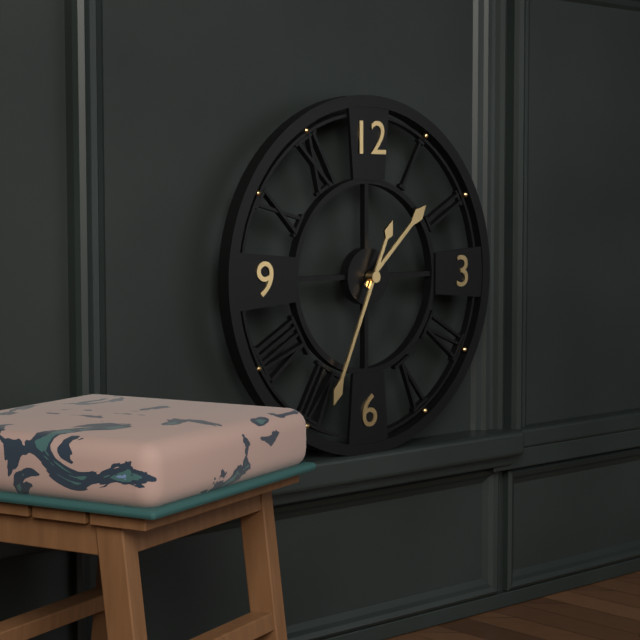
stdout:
{"hour": 1, "minute": 34}
